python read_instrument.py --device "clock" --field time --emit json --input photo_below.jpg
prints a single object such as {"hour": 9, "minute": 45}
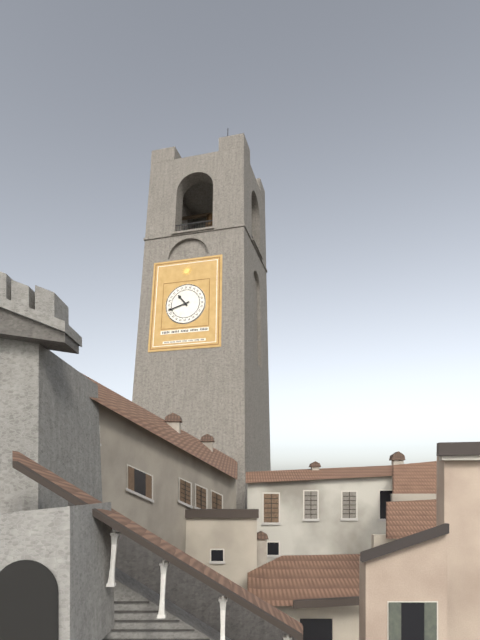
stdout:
{"hour": 10, "minute": 42}
